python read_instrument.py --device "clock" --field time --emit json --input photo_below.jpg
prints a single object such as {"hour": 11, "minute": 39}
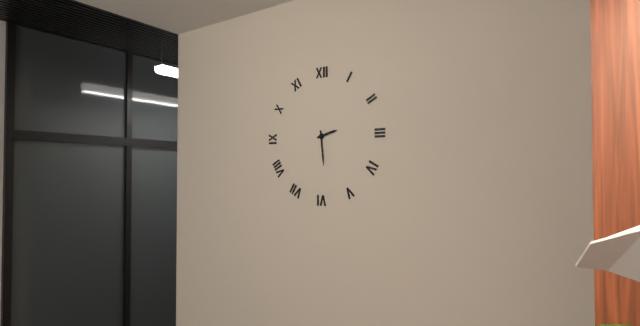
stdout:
{"hour": 2, "minute": 29}
